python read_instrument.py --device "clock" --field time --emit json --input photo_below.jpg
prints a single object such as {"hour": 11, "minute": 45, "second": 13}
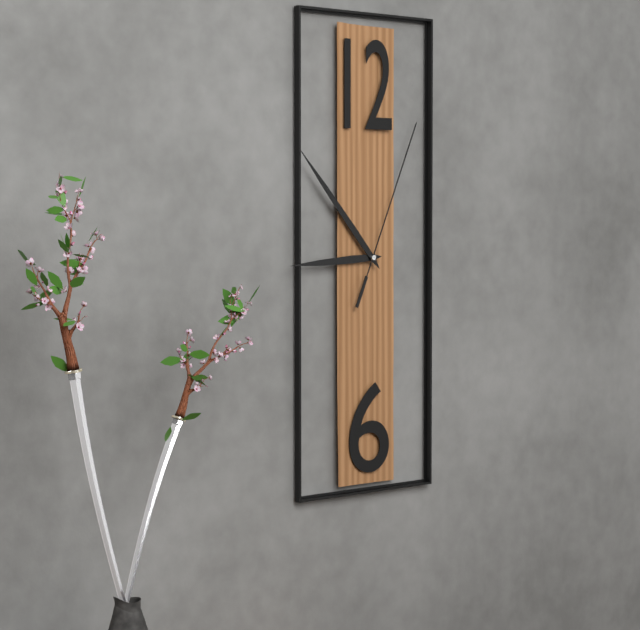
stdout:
{"hour": 8, "minute": 53, "second": 4}
